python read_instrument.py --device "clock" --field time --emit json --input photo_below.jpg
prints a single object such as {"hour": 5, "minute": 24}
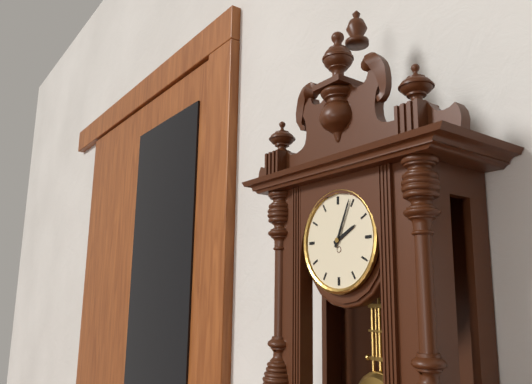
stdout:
{"hour": 2, "minute": 4}
